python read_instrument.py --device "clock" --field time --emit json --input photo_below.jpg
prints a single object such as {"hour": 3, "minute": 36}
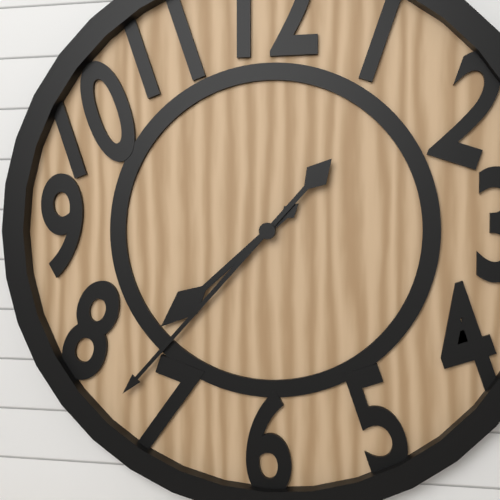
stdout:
{"hour": 7, "minute": 37}
